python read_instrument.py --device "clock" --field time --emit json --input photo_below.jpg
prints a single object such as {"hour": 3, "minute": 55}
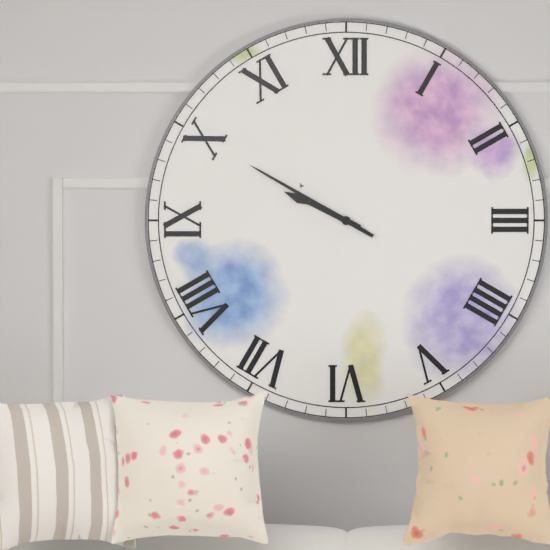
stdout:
{"hour": 9, "minute": 50}
